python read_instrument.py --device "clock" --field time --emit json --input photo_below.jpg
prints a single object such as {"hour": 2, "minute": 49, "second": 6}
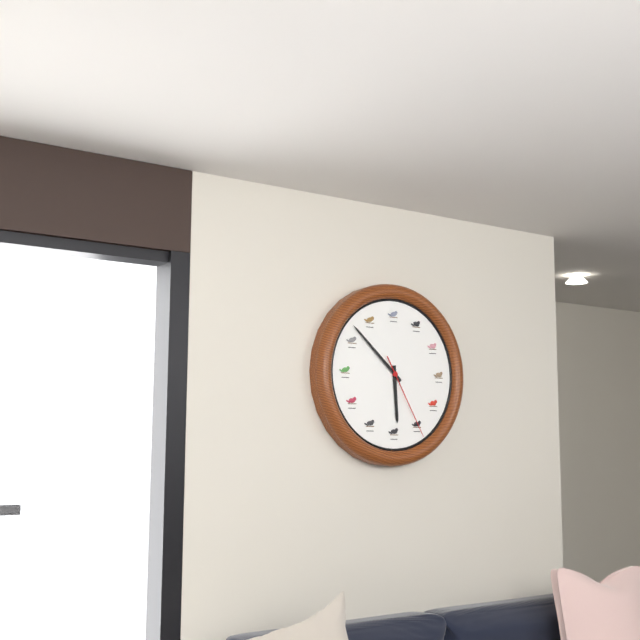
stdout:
{"hour": 5, "minute": 52, "second": 25}
